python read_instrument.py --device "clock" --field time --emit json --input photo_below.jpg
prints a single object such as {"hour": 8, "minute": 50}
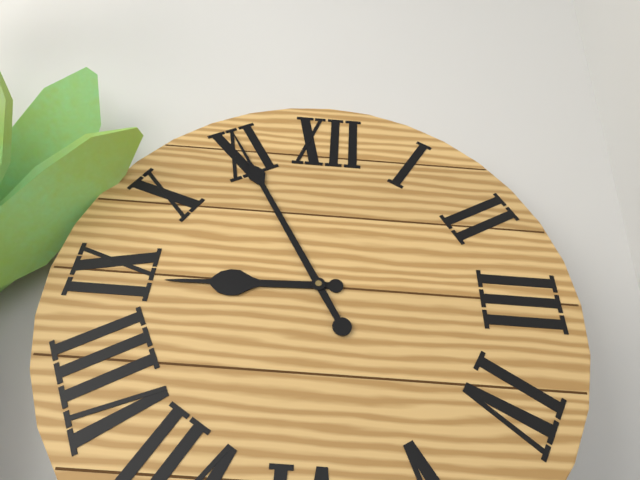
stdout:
{"hour": 8, "minute": 55}
